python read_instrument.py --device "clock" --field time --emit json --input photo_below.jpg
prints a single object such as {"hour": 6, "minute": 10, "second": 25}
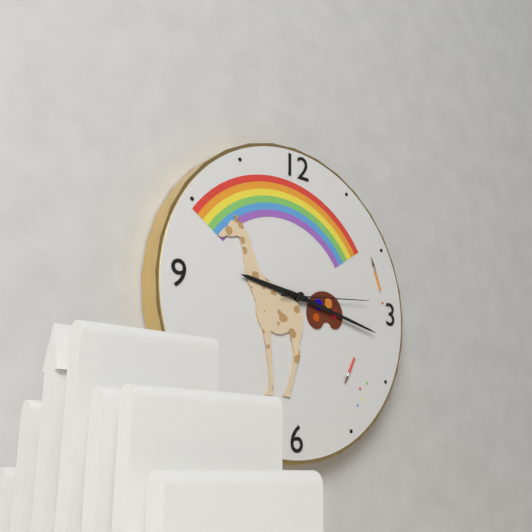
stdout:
{"hour": 9, "minute": 17, "second": 14}
